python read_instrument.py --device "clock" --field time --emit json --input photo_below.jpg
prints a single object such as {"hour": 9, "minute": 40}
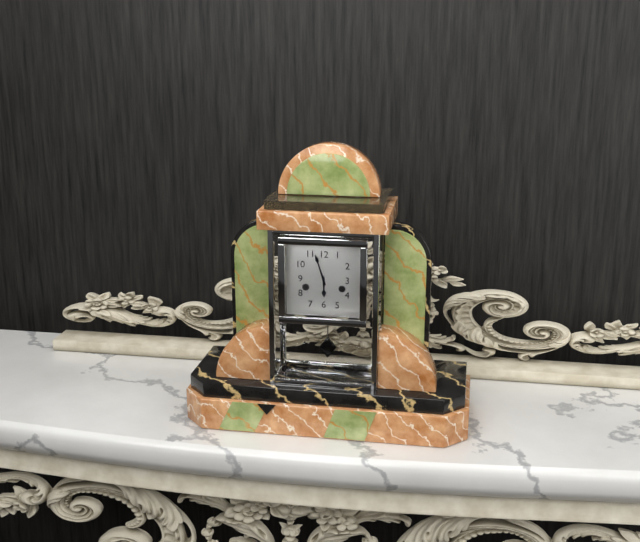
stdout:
{"hour": 5, "minute": 57}
